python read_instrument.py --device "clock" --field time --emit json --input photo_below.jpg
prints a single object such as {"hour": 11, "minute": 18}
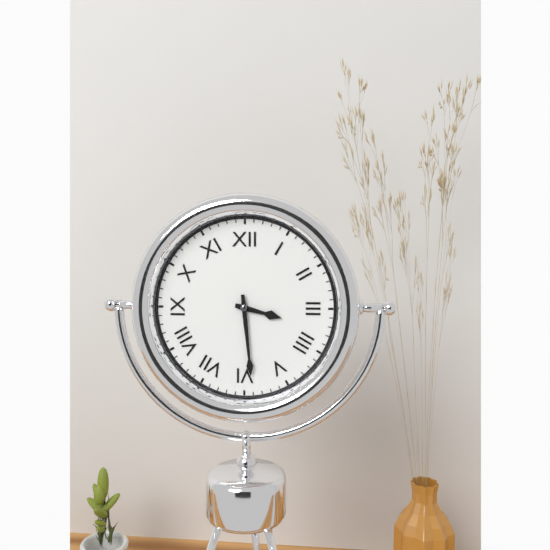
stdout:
{"hour": 3, "minute": 29}
